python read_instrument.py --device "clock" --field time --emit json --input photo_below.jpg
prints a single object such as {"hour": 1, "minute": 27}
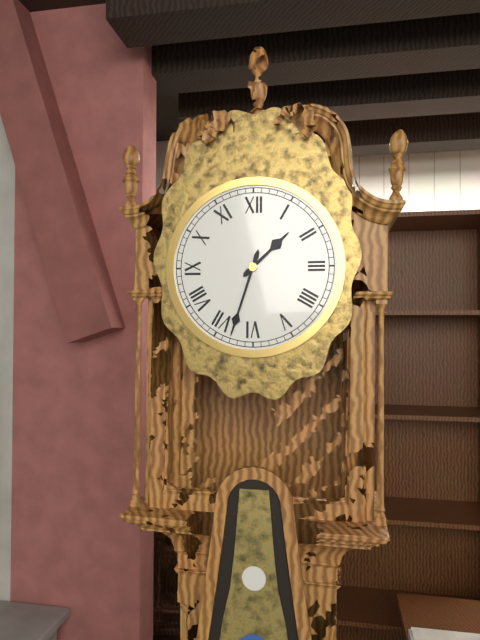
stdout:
{"hour": 1, "minute": 33}
